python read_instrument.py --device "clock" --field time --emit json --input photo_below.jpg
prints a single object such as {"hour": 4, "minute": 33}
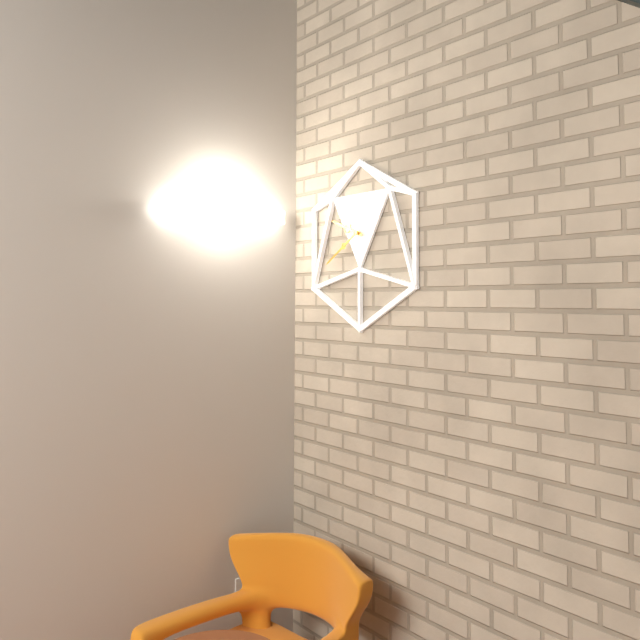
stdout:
{"hour": 9, "minute": 40}
